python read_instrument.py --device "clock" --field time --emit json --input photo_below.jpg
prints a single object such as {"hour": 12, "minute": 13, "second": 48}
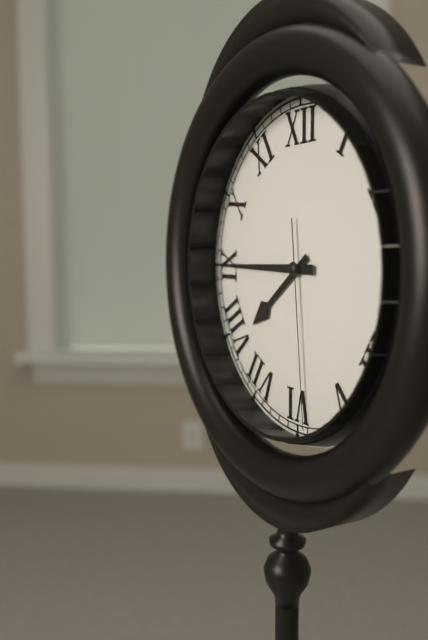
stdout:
{"hour": 7, "minute": 45, "second": 29}
